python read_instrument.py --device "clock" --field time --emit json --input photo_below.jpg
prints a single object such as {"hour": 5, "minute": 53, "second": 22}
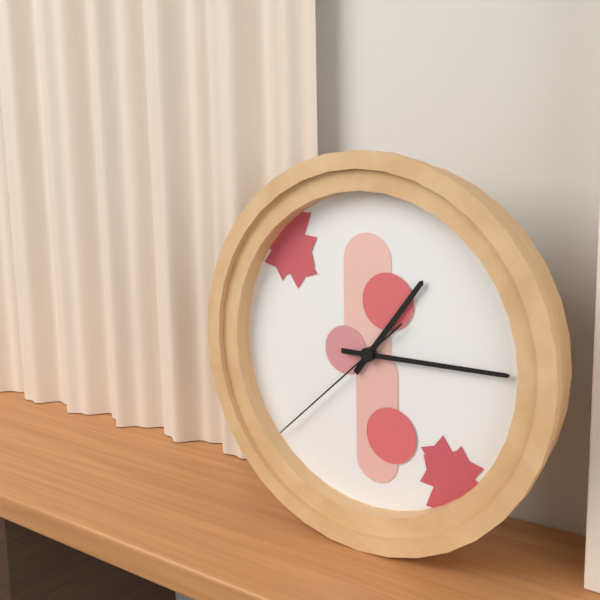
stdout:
{"hour": 1, "minute": 15, "second": 38}
